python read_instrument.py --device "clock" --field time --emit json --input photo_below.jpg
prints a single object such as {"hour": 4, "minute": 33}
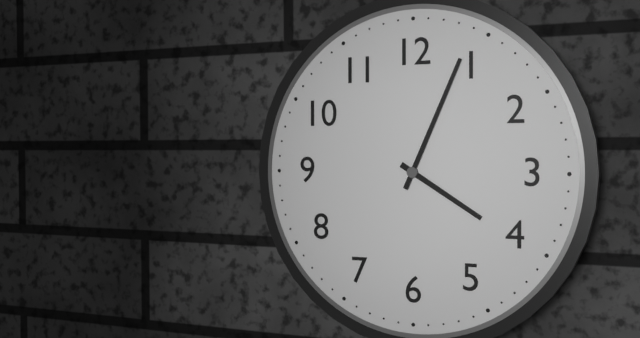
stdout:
{"hour": 4, "minute": 4}
